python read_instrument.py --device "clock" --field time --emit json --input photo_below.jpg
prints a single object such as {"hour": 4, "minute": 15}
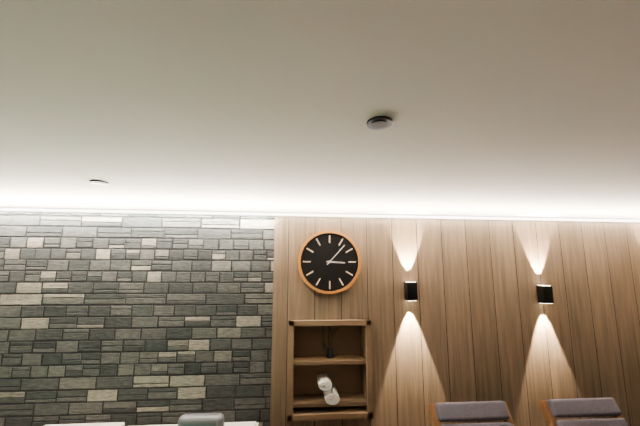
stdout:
{"hour": 3, "minute": 7}
